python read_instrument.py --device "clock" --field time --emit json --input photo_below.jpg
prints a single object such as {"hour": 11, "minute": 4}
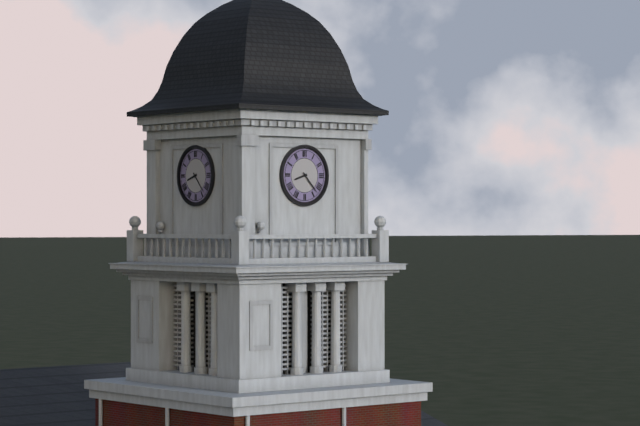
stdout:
{"hour": 8, "minute": 23}
